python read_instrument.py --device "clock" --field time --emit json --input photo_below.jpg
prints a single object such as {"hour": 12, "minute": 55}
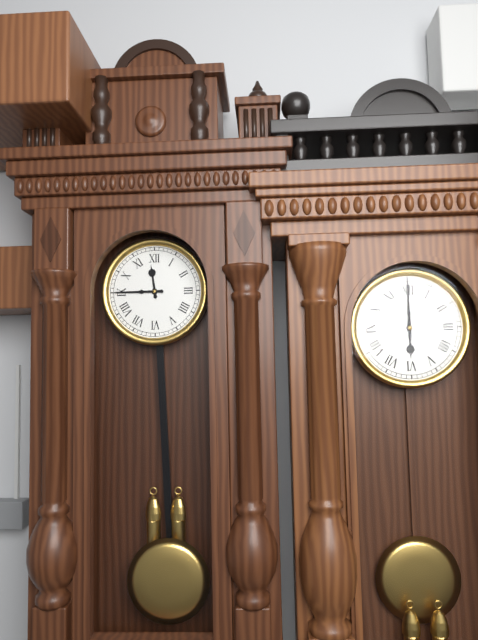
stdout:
{"hour": 11, "minute": 45}
